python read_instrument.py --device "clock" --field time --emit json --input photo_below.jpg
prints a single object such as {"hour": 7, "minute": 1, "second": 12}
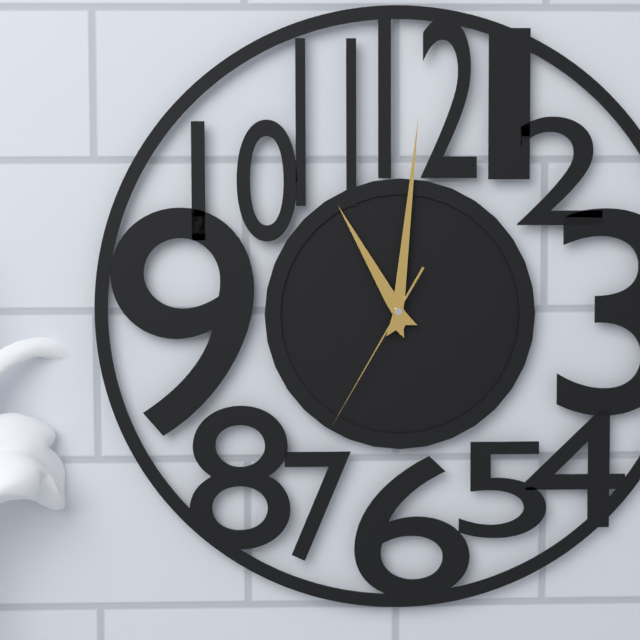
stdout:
{"hour": 11, "minute": 1, "second": 35}
